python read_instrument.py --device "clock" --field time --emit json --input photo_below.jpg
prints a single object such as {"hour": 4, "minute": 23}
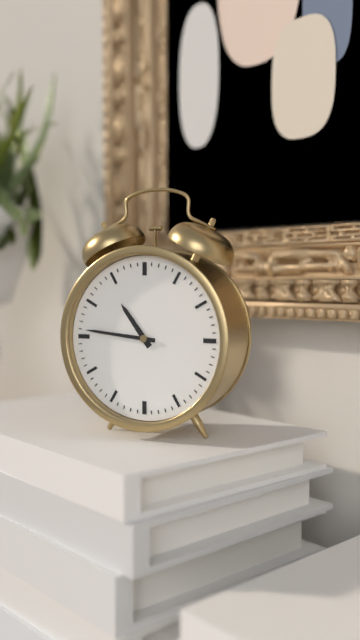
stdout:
{"hour": 10, "minute": 46}
